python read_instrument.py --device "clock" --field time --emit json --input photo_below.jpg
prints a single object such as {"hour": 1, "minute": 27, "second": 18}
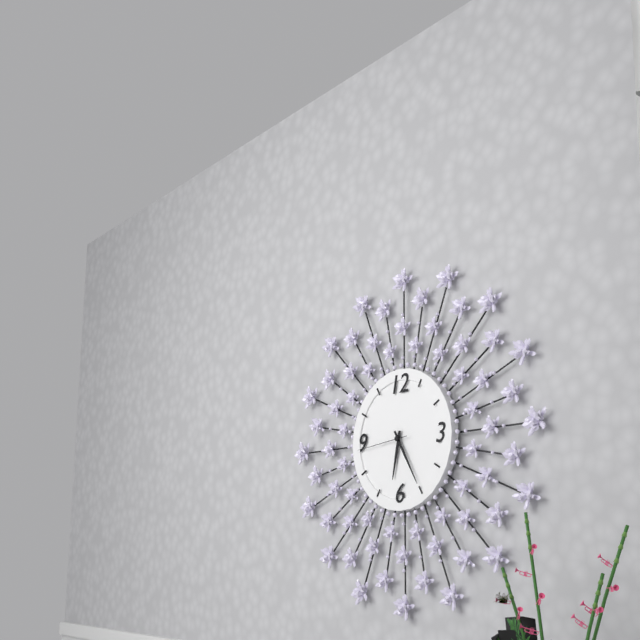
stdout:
{"hour": 6, "minute": 25, "second": 44}
